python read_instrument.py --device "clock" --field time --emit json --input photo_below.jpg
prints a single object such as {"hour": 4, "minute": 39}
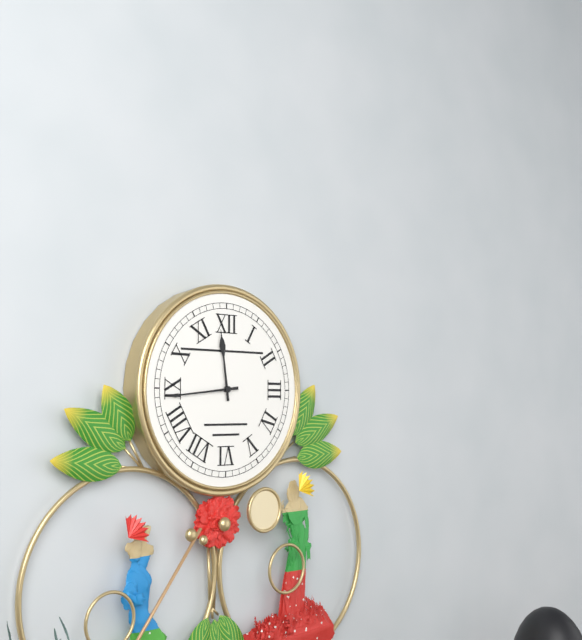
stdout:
{"hour": 11, "minute": 44}
